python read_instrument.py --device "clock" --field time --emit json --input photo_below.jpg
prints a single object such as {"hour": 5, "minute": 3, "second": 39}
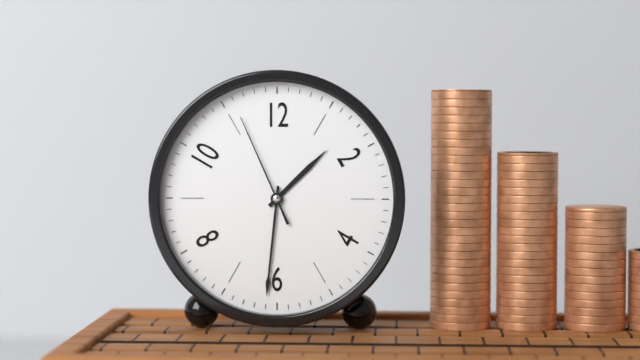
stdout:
{"hour": 1, "minute": 31, "second": 56}
